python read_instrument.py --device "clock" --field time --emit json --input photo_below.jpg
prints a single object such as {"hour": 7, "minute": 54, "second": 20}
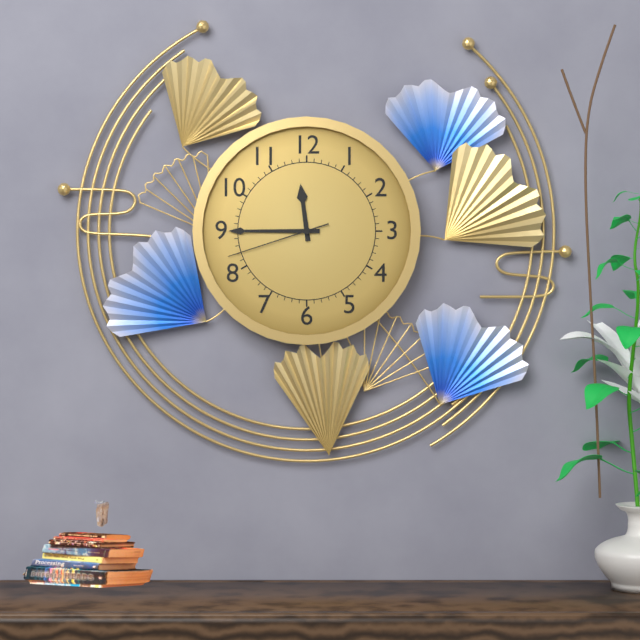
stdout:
{"hour": 11, "minute": 45, "second": 42}
